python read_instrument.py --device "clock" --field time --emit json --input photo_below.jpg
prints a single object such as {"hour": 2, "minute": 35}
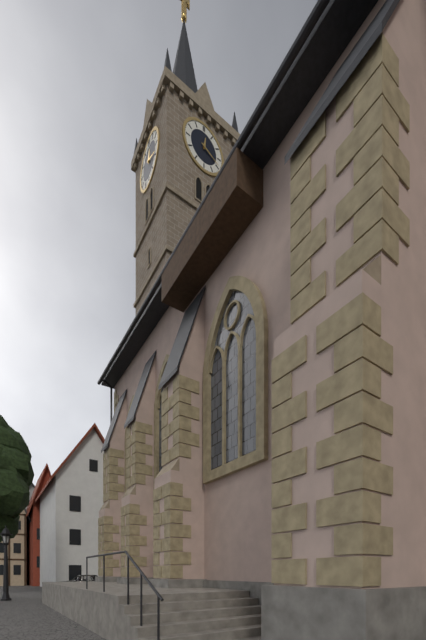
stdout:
{"hour": 12, "minute": 19}
